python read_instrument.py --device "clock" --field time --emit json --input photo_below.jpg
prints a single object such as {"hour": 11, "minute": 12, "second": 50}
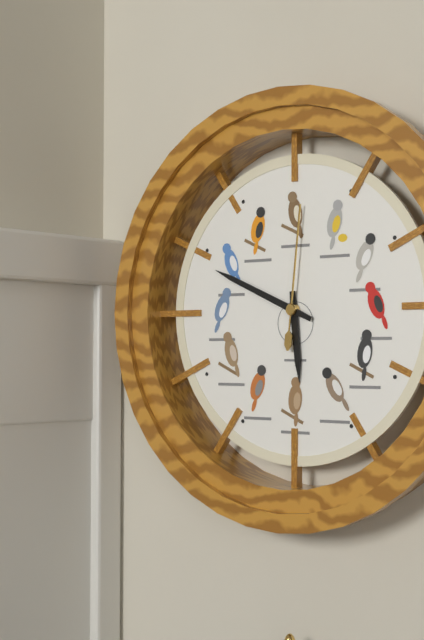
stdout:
{"hour": 5, "minute": 49, "second": 1}
